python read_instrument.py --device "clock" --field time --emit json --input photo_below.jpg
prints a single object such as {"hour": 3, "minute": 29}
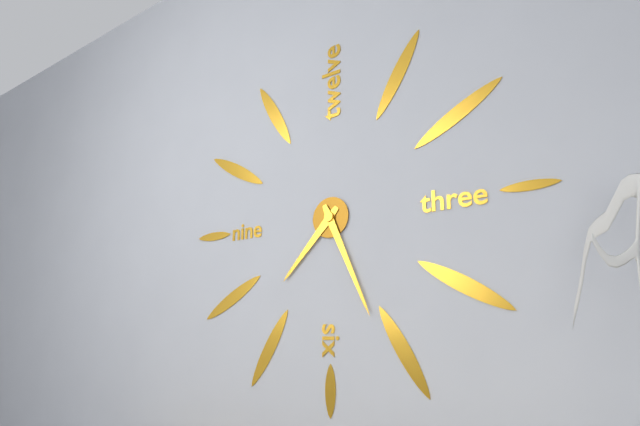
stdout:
{"hour": 7, "minute": 26}
